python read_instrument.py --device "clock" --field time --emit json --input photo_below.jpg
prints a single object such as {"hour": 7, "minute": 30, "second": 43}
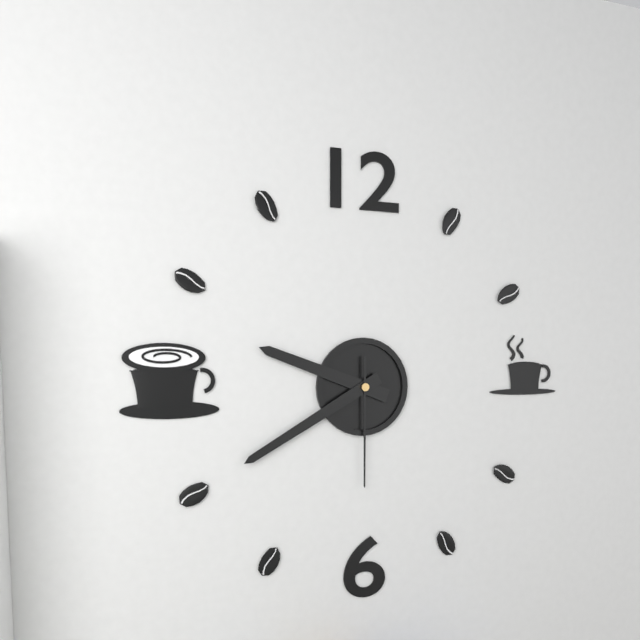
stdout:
{"hour": 9, "minute": 40, "second": 30}
